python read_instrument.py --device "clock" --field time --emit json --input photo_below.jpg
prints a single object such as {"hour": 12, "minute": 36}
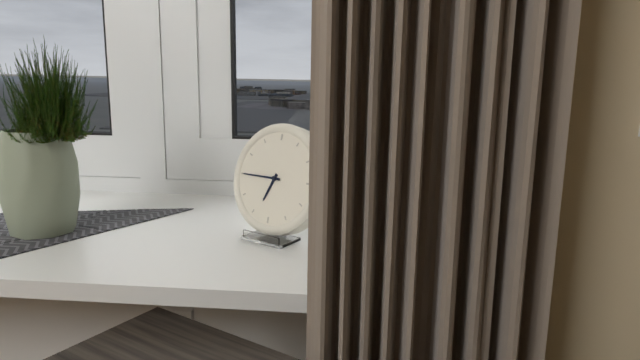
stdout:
{"hour": 6, "minute": 45}
